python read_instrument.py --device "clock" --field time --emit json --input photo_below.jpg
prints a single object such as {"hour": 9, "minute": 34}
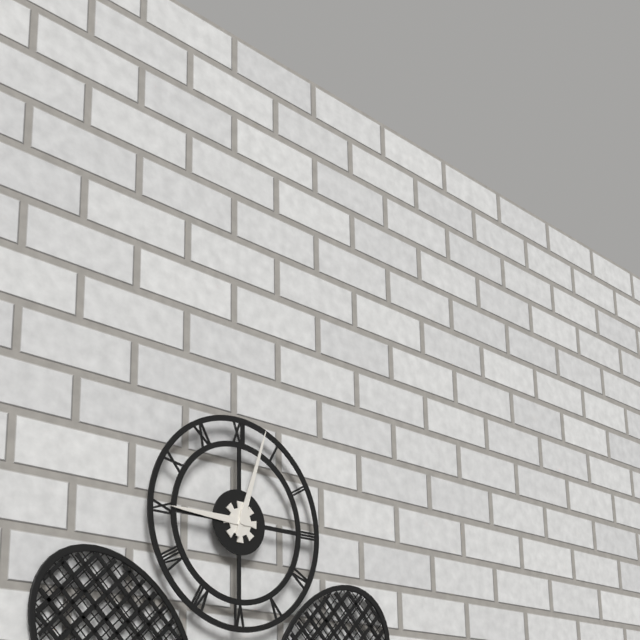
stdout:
{"hour": 9, "minute": 3}
